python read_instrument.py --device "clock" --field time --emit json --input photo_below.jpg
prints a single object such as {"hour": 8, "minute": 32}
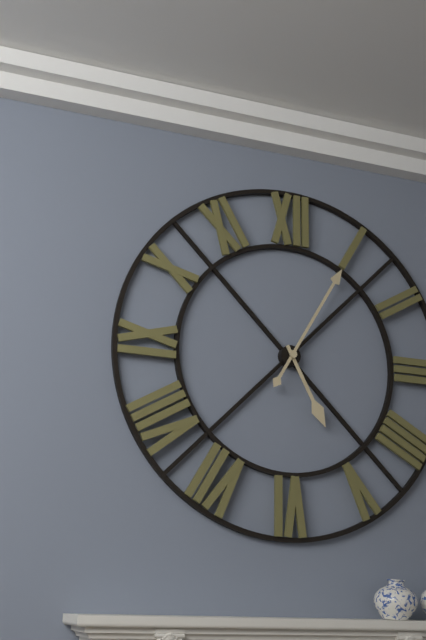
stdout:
{"hour": 5, "minute": 5}
